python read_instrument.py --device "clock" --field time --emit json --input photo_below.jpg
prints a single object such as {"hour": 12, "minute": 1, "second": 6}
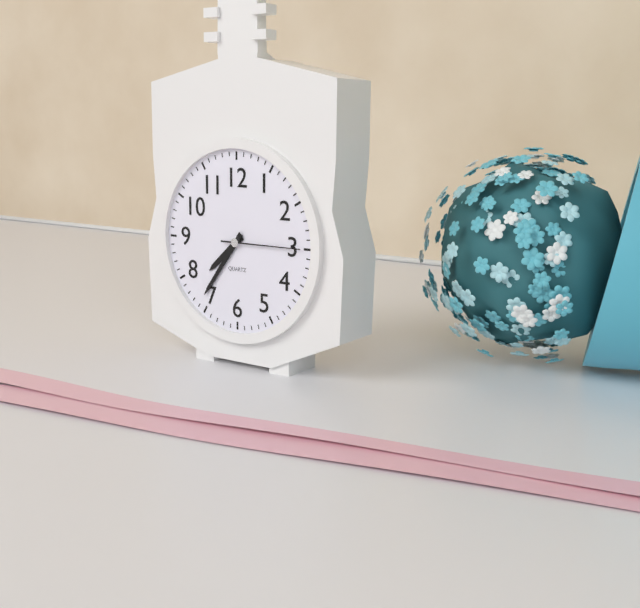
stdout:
{"hour": 7, "minute": 36, "second": 15}
